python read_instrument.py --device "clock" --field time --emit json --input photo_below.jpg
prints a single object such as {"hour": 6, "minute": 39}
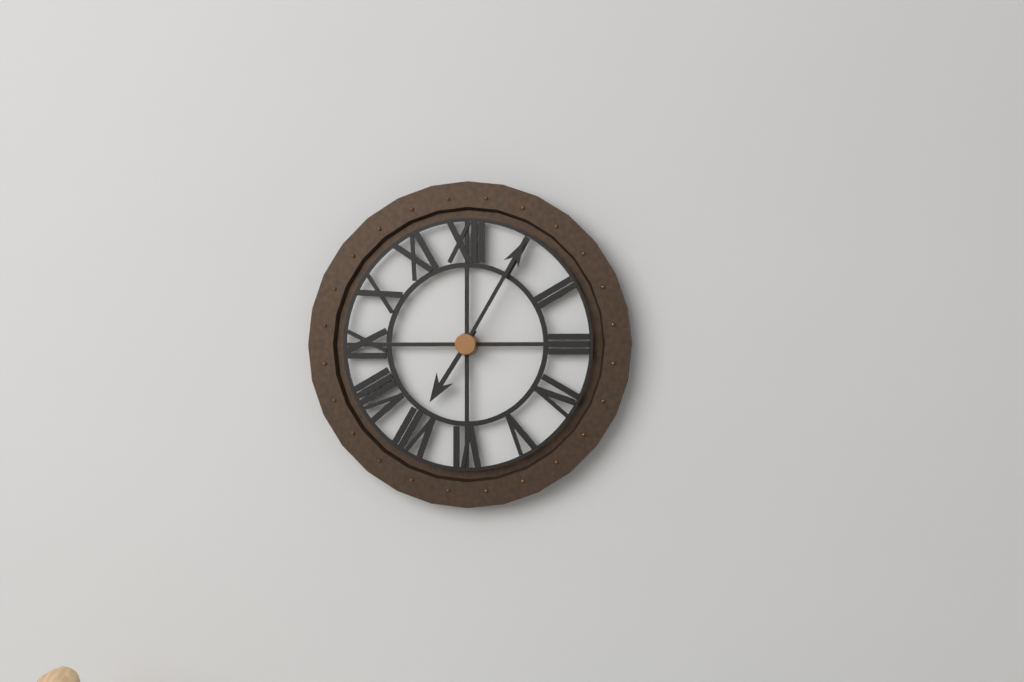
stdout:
{"hour": 7, "minute": 5}
